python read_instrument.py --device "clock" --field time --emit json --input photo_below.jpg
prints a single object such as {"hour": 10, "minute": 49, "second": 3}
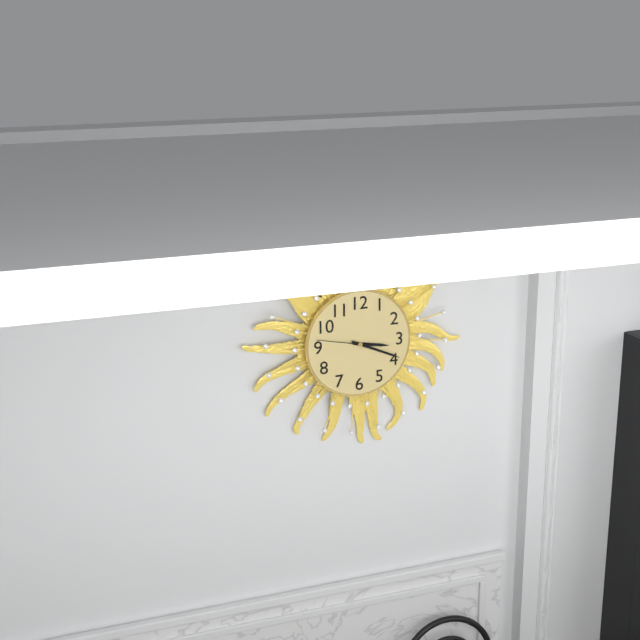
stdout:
{"hour": 3, "minute": 19, "second": 47}
